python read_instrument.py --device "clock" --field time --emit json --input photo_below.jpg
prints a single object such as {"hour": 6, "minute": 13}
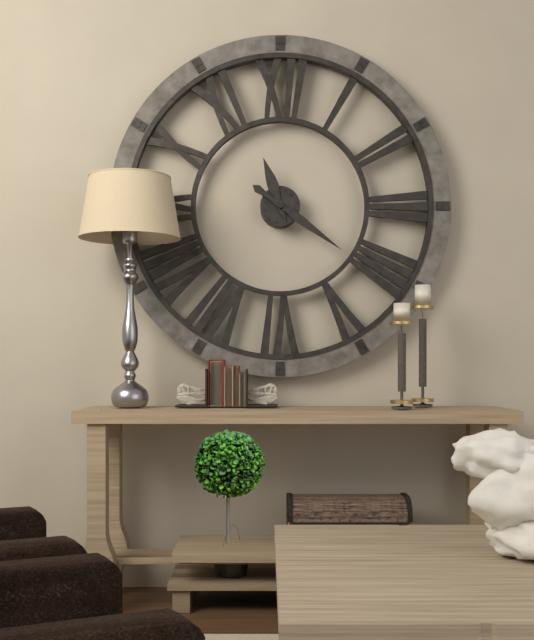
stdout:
{"hour": 11, "minute": 21}
